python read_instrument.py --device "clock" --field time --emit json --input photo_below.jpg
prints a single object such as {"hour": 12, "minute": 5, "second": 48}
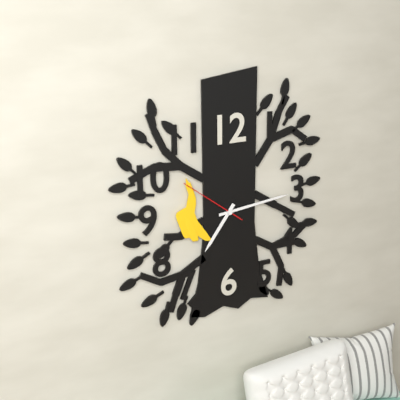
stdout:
{"hour": 7, "minute": 14, "second": 51}
